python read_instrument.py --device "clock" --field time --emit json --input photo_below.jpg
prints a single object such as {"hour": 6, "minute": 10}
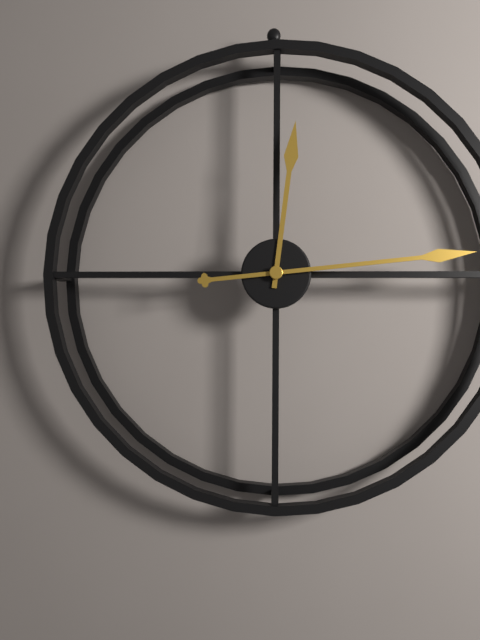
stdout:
{"hour": 12, "minute": 14}
